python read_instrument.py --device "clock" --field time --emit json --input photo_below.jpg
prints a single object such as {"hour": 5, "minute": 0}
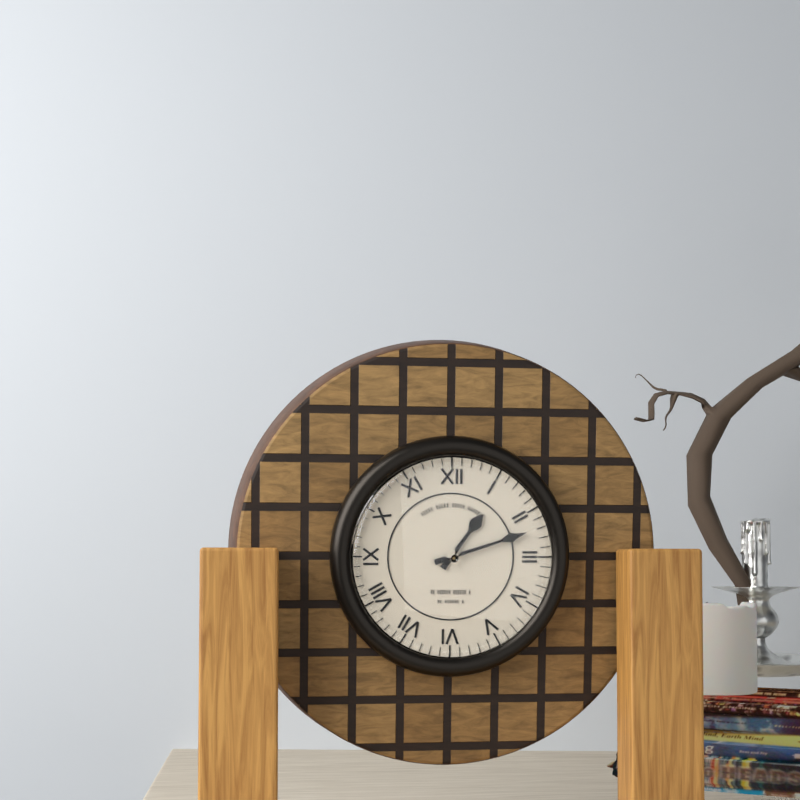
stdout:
{"hour": 1, "minute": 12}
